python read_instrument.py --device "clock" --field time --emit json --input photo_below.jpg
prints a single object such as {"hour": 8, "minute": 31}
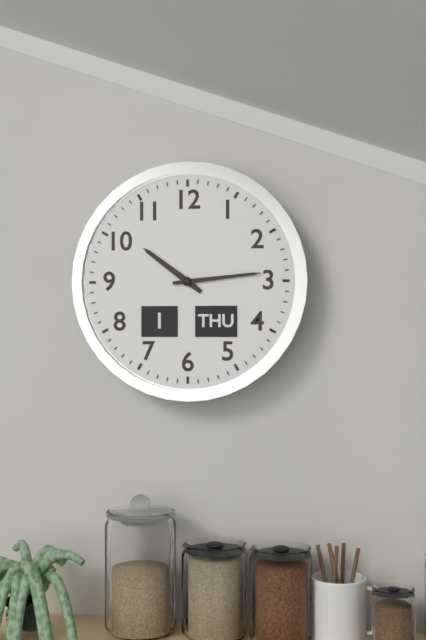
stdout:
{"hour": 10, "minute": 14}
